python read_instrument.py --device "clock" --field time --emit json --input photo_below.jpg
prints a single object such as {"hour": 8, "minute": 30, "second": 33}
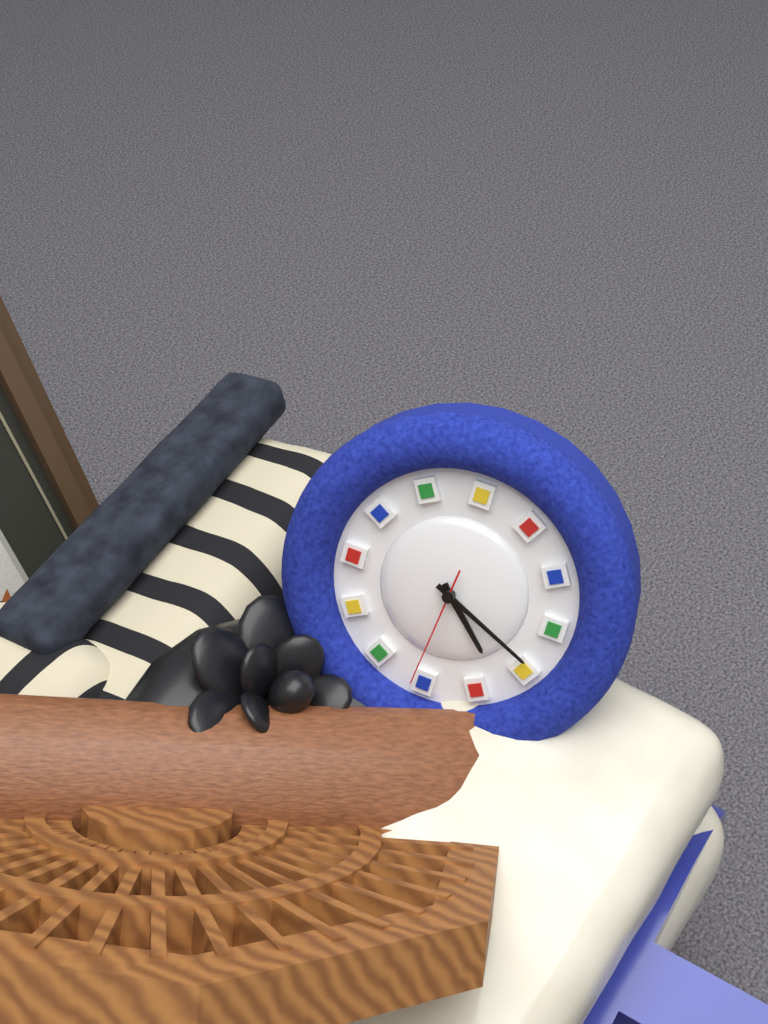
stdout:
{"hour": 6, "minute": 29, "second": 41}
